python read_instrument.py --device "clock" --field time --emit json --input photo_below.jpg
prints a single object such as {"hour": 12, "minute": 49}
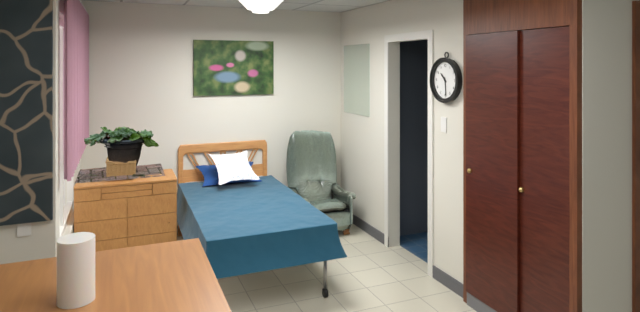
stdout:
{"hour": 10, "minute": 29}
